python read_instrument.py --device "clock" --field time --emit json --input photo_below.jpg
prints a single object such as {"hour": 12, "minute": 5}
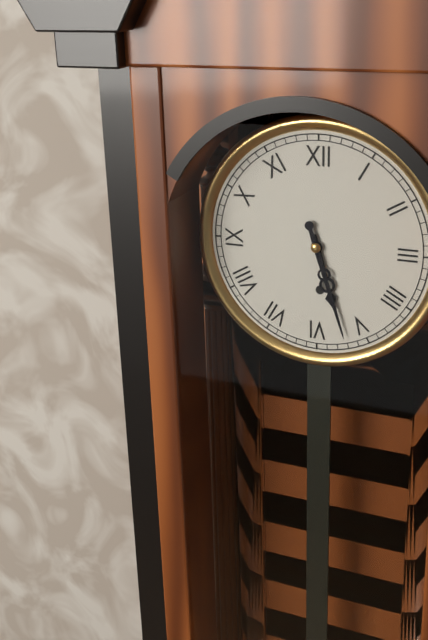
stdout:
{"hour": 5, "minute": 27}
